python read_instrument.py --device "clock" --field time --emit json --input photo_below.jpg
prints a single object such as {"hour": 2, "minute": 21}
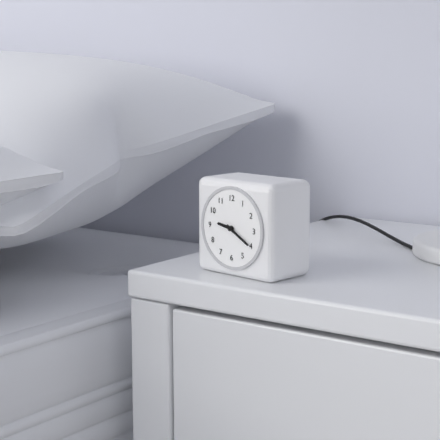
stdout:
{"hour": 9, "minute": 20}
